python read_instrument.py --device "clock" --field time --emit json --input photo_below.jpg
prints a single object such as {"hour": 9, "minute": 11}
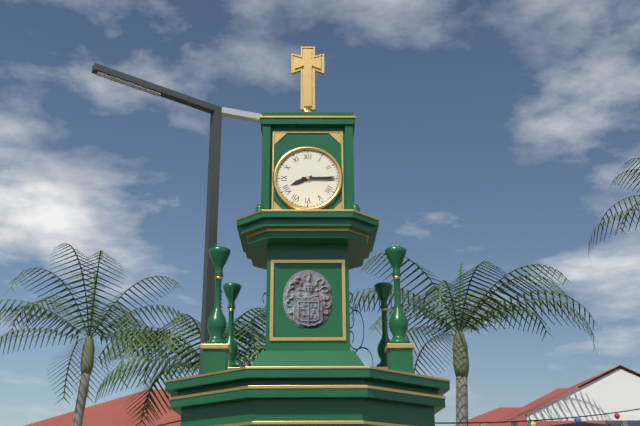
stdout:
{"hour": 8, "minute": 15}
